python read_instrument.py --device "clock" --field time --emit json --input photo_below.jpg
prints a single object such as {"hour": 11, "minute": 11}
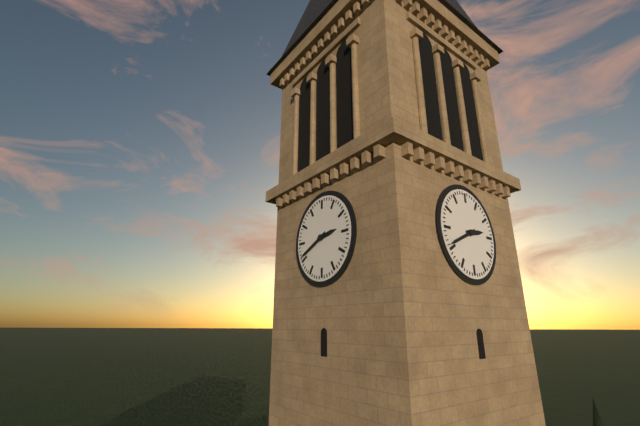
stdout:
{"hour": 2, "minute": 41}
